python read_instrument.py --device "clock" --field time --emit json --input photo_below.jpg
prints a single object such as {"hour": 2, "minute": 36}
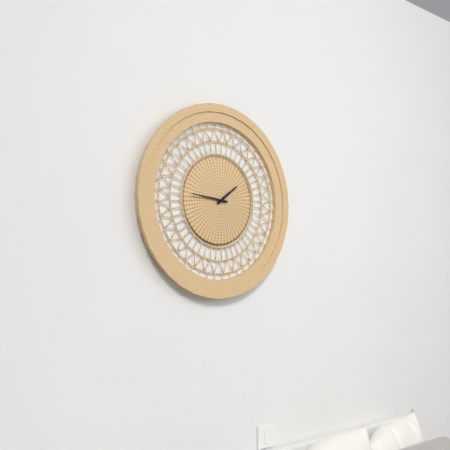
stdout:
{"hour": 1, "minute": 46}
